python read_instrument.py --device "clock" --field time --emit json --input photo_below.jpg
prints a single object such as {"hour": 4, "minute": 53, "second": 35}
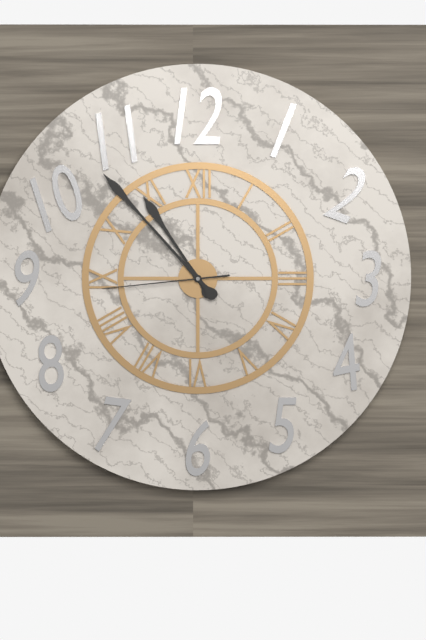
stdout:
{"hour": 10, "minute": 53, "second": 44}
